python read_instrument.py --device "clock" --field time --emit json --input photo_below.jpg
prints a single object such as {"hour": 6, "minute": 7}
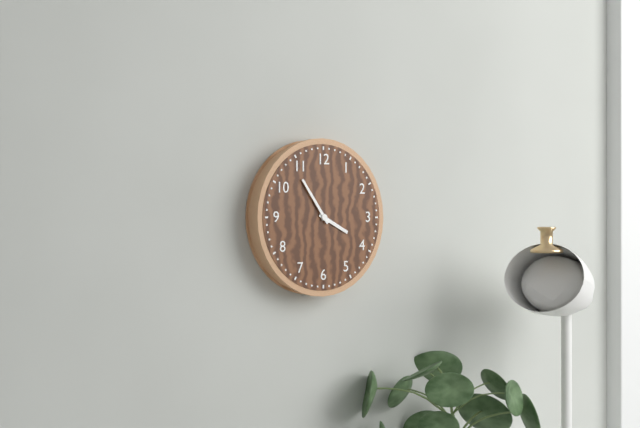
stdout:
{"hour": 3, "minute": 54}
